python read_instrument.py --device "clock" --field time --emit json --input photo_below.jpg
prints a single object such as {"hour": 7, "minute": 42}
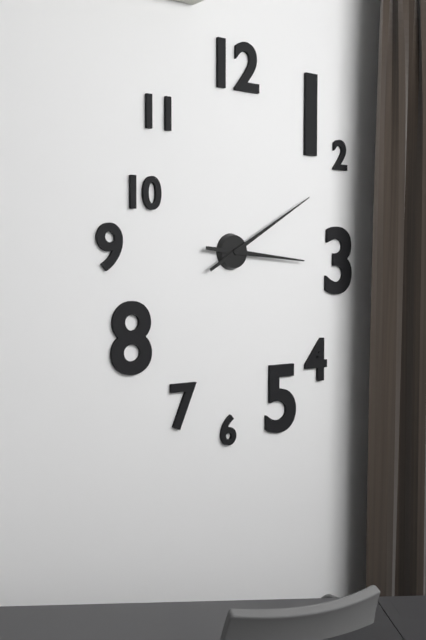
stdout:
{"hour": 3, "minute": 10}
